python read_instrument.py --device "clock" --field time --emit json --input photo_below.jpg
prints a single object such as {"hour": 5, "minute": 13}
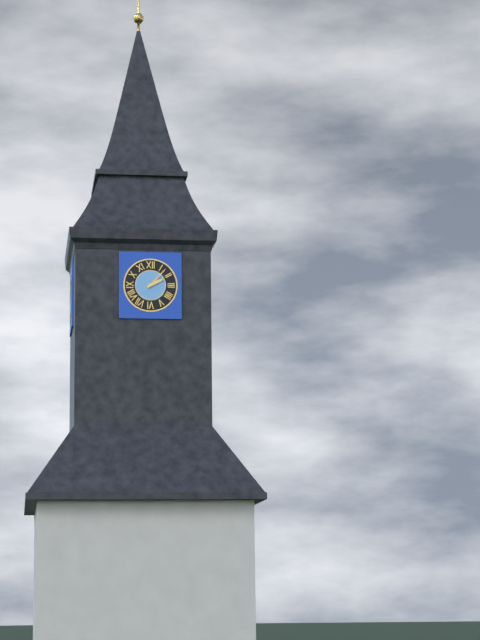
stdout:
{"hour": 2, "minute": 7}
